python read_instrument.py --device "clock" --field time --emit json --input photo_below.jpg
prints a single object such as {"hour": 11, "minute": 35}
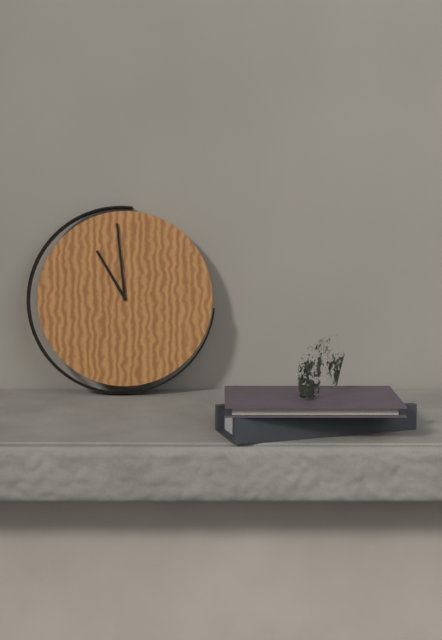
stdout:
{"hour": 10, "minute": 59}
